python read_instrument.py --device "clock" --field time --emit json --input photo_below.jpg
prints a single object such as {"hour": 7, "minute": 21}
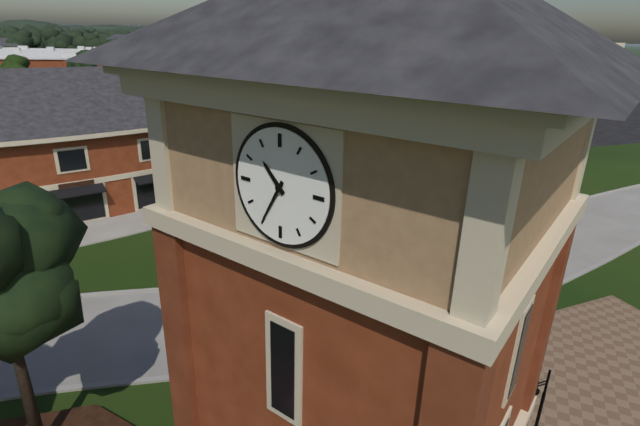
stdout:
{"hour": 10, "minute": 35}
